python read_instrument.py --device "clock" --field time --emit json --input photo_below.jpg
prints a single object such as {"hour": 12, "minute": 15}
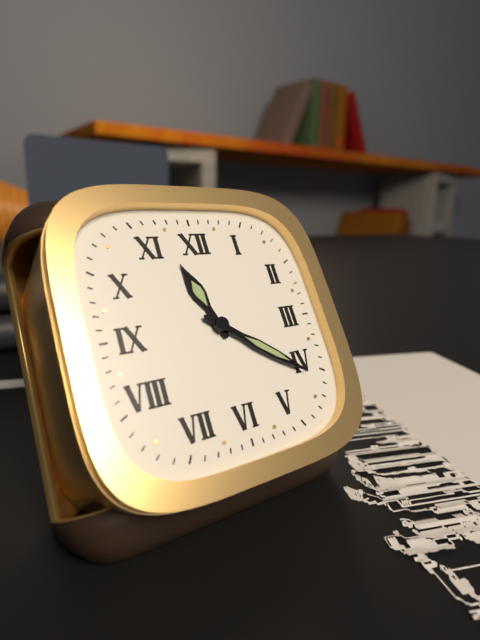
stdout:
{"hour": 11, "minute": 21}
